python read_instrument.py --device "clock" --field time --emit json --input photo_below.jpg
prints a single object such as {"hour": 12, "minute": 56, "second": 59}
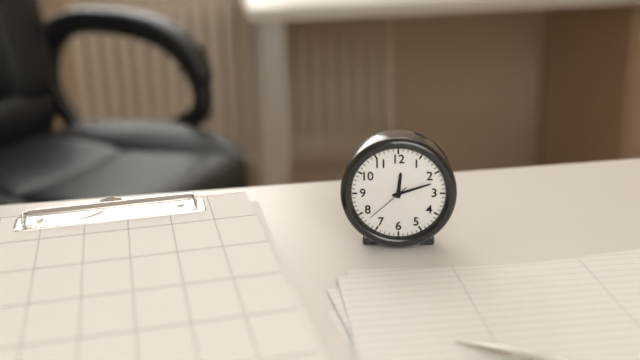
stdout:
{"hour": 12, "minute": 12, "second": 38}
